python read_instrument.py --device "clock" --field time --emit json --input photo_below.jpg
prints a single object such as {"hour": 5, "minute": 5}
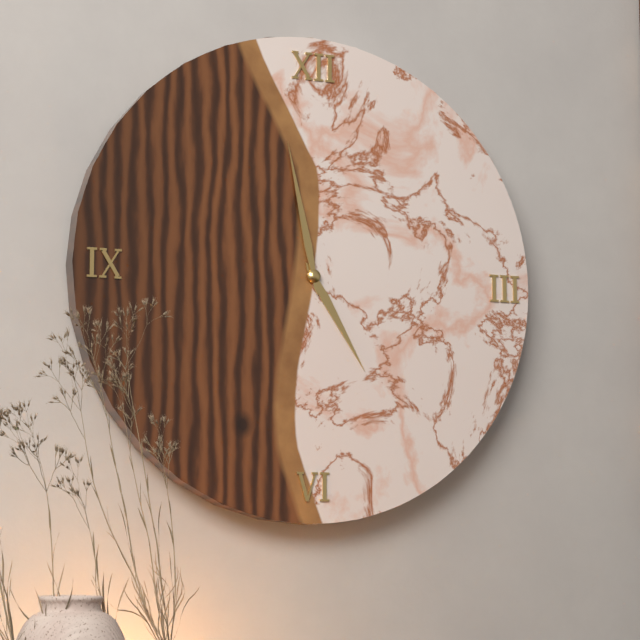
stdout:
{"hour": 4, "minute": 58}
